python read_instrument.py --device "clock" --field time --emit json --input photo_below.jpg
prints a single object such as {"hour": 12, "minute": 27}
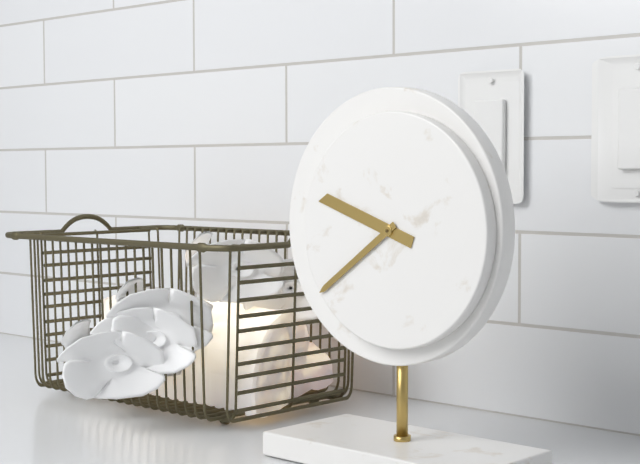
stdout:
{"hour": 9, "minute": 39}
